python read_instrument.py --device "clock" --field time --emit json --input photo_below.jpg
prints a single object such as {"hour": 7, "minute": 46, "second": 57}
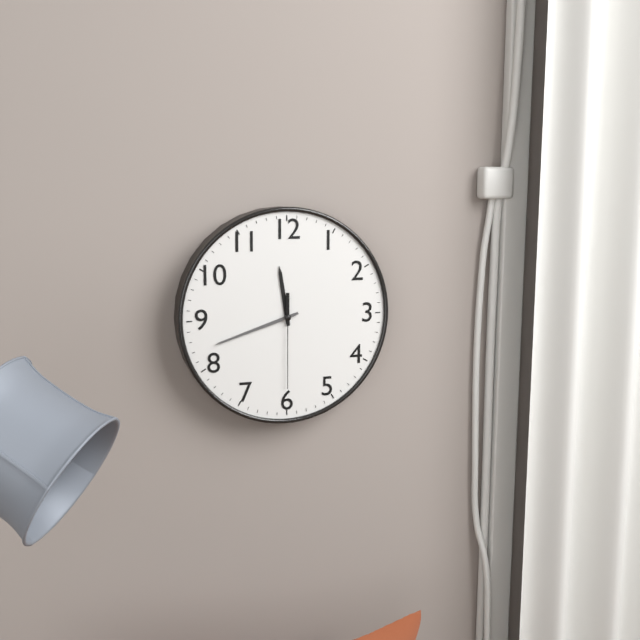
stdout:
{"hour": 11, "minute": 42, "second": 30}
